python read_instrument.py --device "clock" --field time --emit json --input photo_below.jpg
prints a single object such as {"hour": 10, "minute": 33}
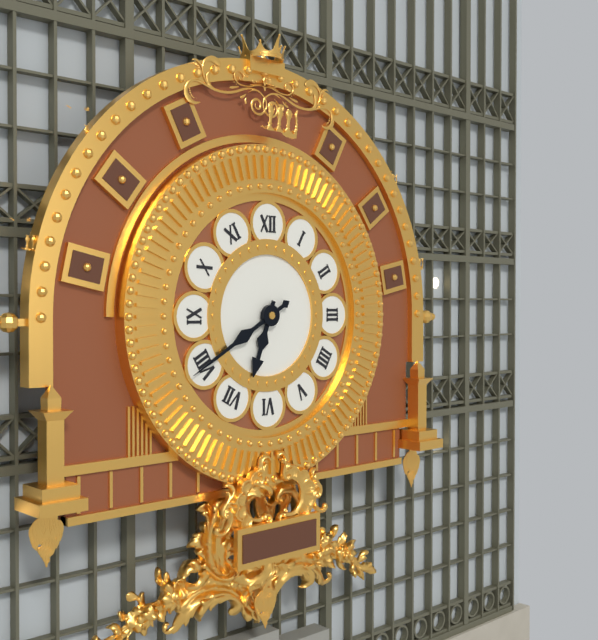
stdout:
{"hour": 6, "minute": 40}
